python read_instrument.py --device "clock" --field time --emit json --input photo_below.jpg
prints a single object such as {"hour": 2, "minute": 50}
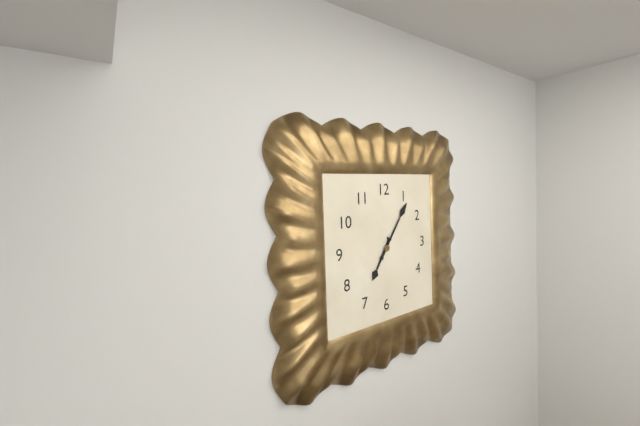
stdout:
{"hour": 7, "minute": 6}
